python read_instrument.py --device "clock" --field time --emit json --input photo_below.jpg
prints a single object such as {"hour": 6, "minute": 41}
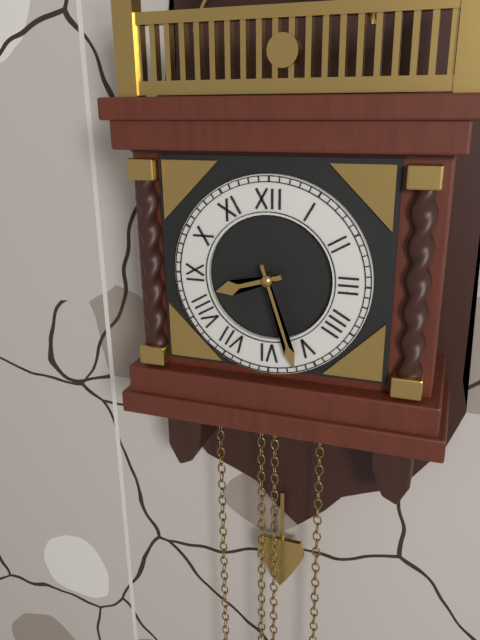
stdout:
{"hour": 8, "minute": 27}
